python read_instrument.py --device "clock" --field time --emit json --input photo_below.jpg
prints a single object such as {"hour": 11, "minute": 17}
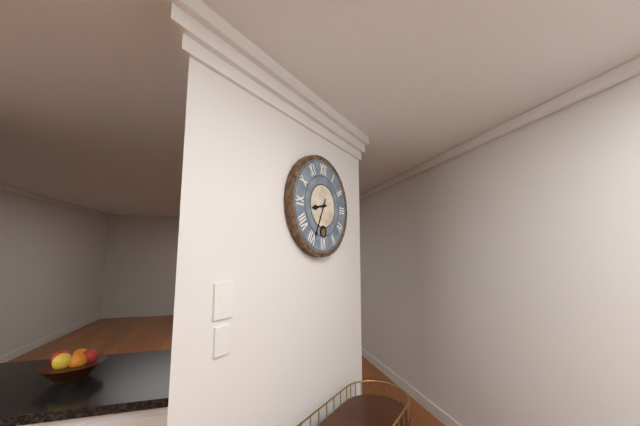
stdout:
{"hour": 8, "minute": 34}
